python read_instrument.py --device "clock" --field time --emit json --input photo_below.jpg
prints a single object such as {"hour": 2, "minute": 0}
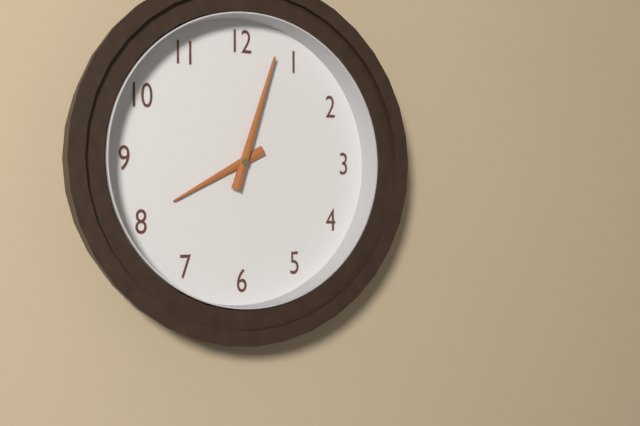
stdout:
{"hour": 8, "minute": 3}
